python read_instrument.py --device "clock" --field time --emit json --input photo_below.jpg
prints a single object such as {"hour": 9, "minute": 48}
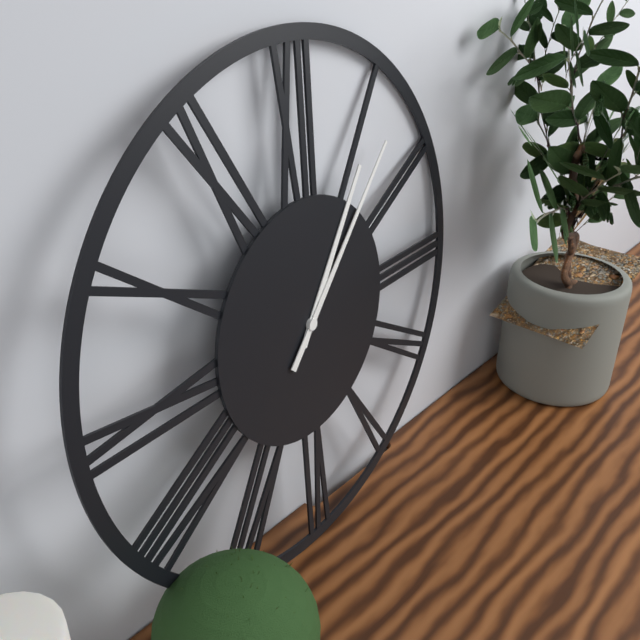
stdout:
{"hour": 1, "minute": 7}
